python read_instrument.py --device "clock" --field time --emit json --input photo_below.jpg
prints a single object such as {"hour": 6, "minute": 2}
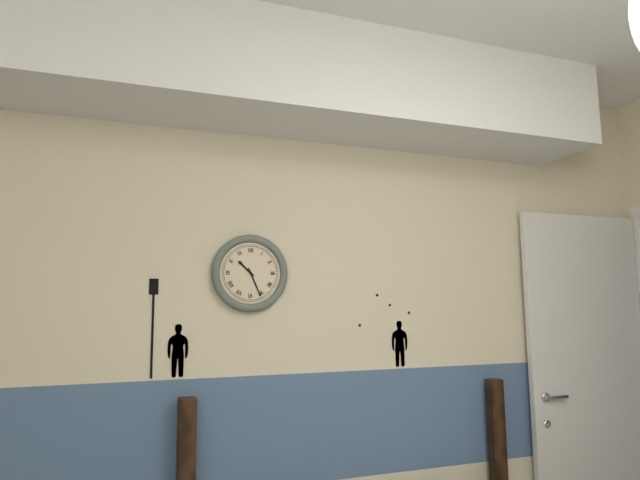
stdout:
{"hour": 10, "minute": 26}
